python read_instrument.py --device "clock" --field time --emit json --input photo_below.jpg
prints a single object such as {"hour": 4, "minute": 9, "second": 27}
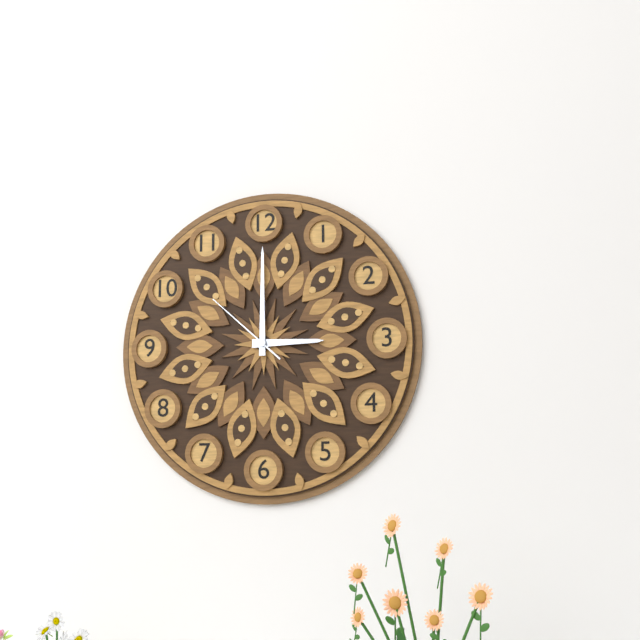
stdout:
{"hour": 3, "minute": 0, "second": 52}
